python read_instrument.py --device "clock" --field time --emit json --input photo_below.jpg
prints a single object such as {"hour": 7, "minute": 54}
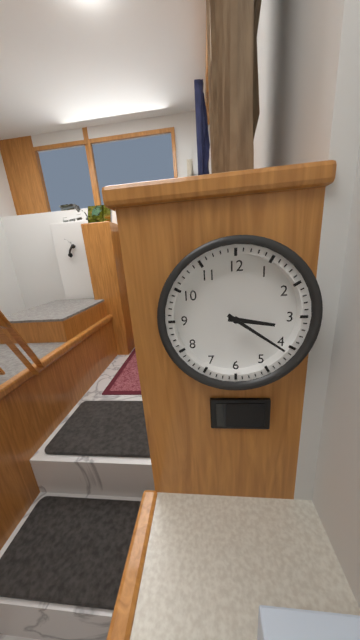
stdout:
{"hour": 3, "minute": 21}
